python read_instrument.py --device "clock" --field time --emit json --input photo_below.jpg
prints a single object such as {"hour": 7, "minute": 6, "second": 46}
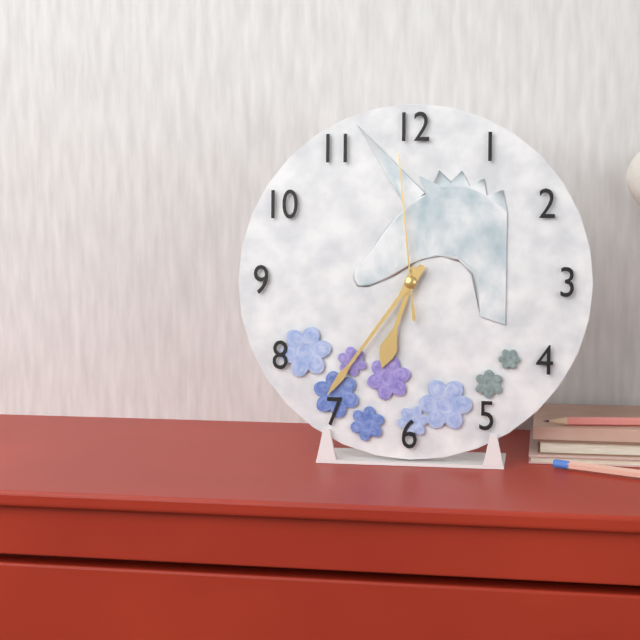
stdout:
{"hour": 6, "minute": 36, "second": 59}
